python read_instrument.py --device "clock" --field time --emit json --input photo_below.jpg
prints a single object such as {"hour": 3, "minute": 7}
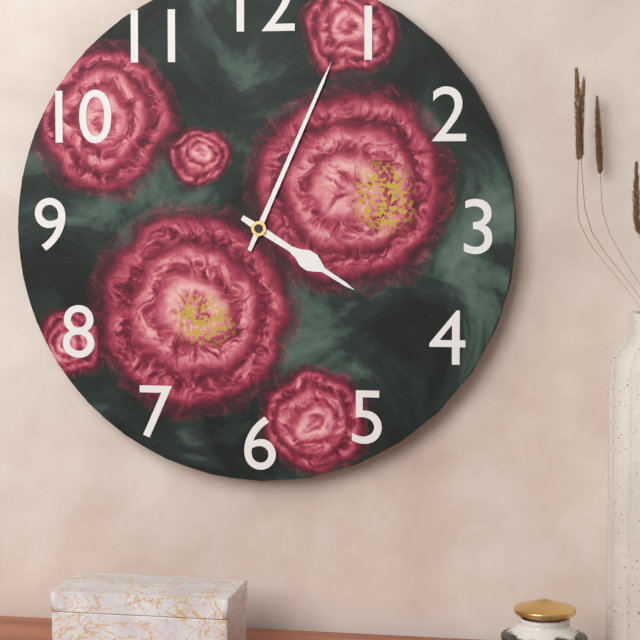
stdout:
{"hour": 4, "minute": 4}
